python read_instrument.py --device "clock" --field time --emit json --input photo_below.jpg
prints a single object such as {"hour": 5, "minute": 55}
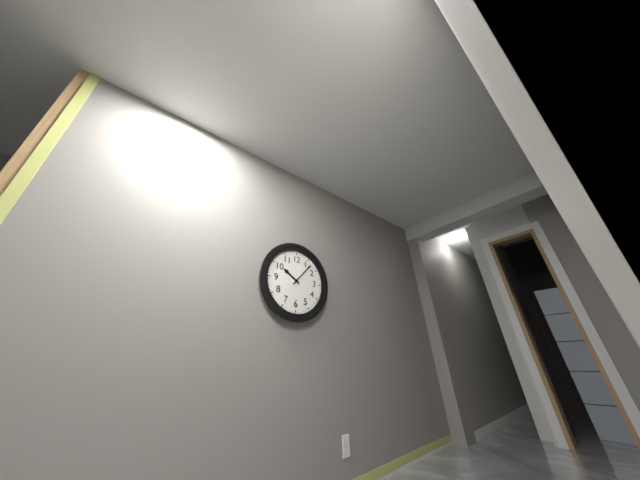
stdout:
{"hour": 10, "minute": 7}
